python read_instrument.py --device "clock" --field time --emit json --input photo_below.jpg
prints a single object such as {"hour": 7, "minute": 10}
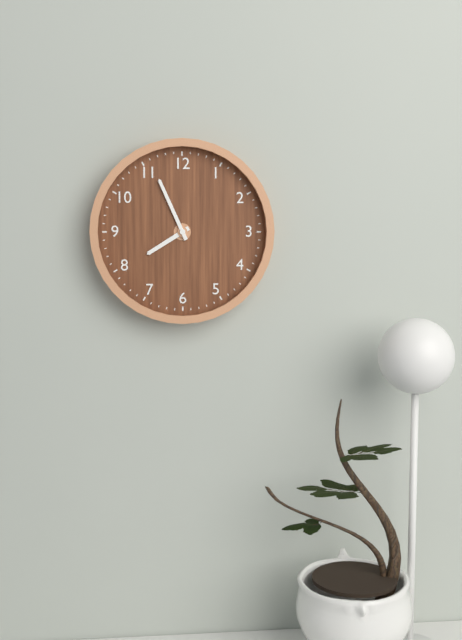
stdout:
{"hour": 7, "minute": 56}
